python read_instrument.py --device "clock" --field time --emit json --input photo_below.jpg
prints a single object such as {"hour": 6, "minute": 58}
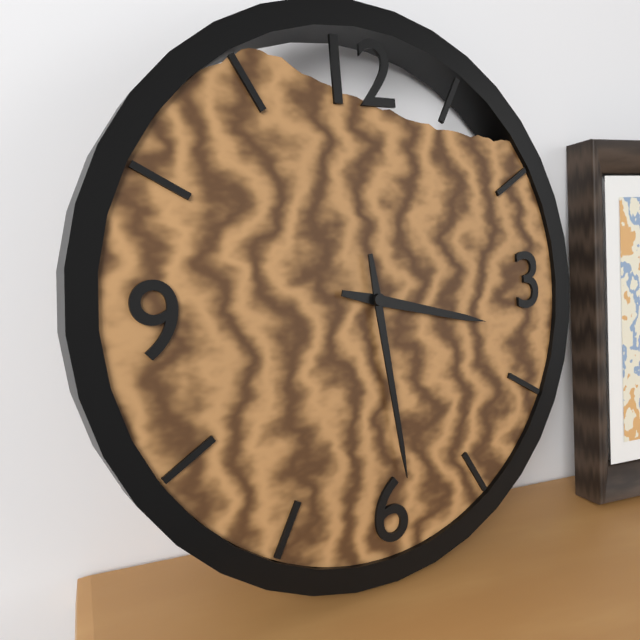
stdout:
{"hour": 3, "minute": 29}
